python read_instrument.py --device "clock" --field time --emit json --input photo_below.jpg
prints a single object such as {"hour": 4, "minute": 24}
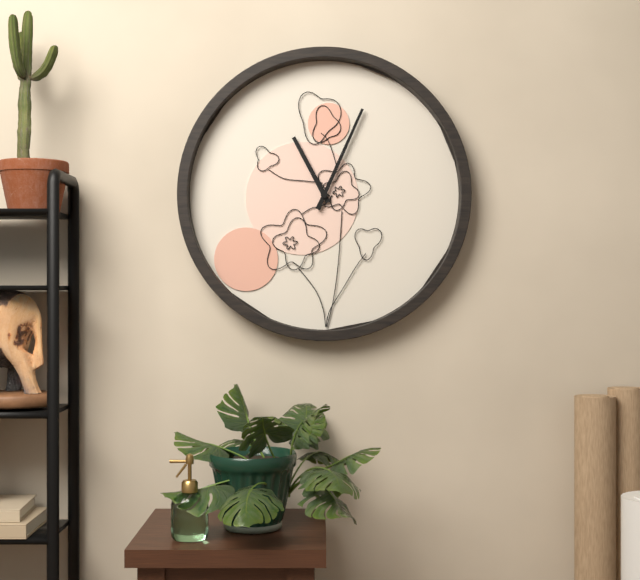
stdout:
{"hour": 11, "minute": 4}
